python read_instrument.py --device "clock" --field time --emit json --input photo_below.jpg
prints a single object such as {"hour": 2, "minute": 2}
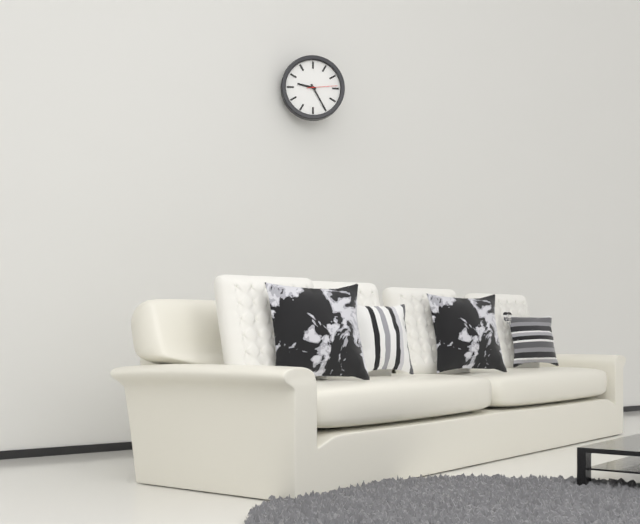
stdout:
{"hour": 9, "minute": 25}
